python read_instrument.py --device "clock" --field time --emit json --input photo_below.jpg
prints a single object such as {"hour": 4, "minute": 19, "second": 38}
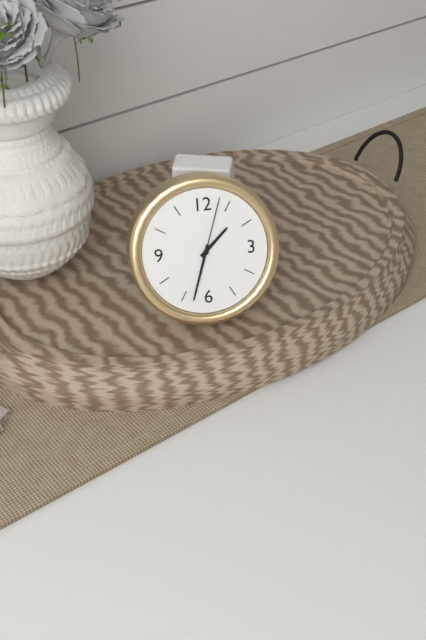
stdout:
{"hour": 1, "minute": 33, "second": 3}
